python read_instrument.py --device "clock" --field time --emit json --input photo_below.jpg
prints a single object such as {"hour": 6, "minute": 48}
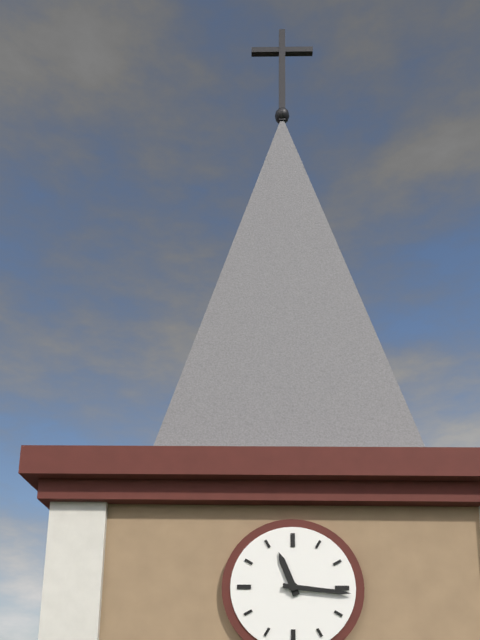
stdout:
{"hour": 11, "minute": 16}
